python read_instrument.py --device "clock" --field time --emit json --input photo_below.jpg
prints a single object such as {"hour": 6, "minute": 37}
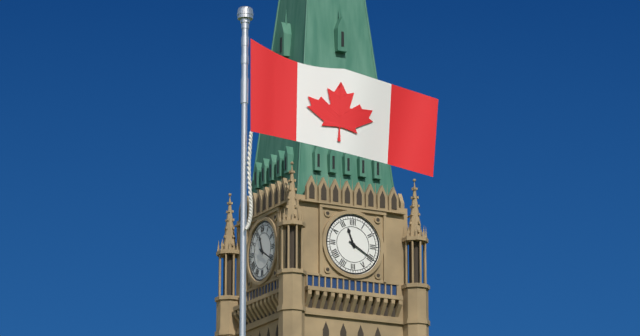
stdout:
{"hour": 11, "minute": 20}
